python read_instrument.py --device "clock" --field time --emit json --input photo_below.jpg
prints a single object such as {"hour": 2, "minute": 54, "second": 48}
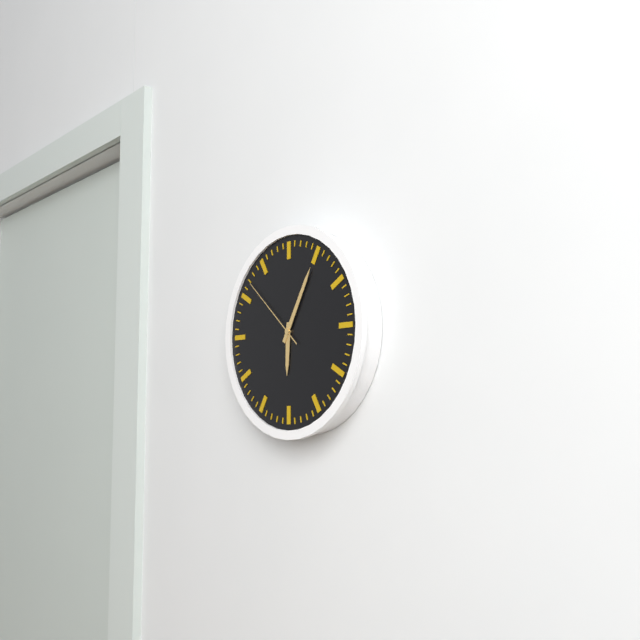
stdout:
{"hour": 6, "minute": 5, "second": 52}
